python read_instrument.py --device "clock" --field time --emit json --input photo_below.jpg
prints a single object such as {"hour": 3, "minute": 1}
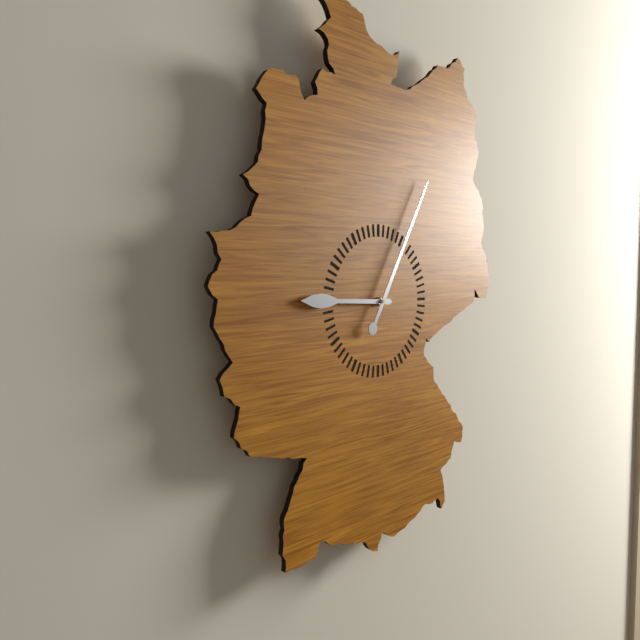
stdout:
{"hour": 9, "minute": 5}
